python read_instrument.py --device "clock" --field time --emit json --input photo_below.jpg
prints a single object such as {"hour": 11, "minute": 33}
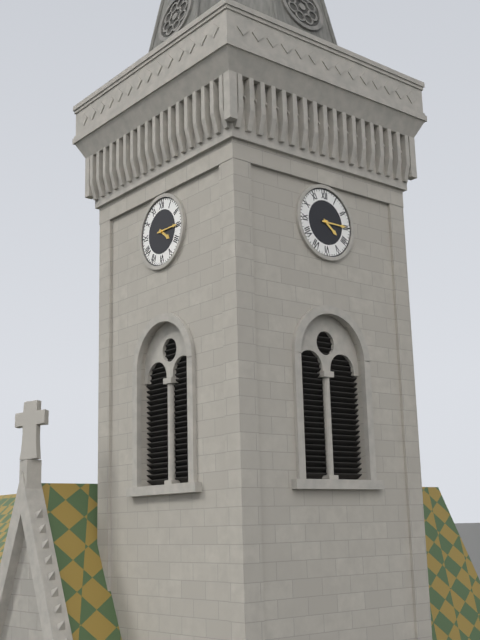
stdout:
{"hour": 4, "minute": 15}
